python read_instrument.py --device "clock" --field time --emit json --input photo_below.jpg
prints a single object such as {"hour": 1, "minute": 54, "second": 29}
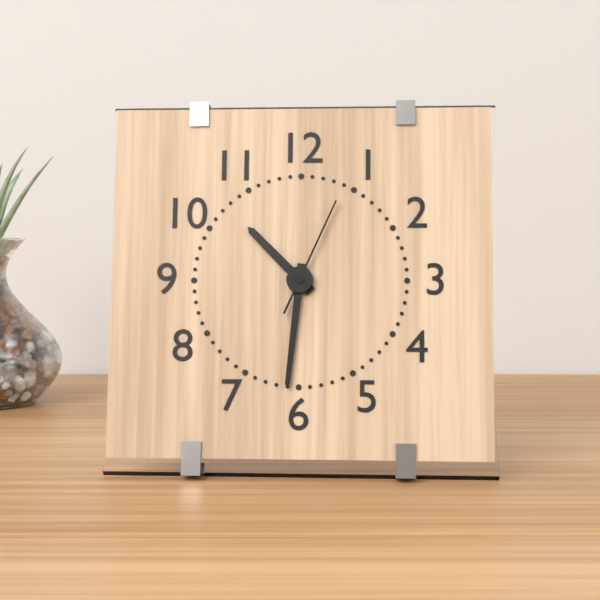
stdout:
{"hour": 10, "minute": 31, "second": 4}
